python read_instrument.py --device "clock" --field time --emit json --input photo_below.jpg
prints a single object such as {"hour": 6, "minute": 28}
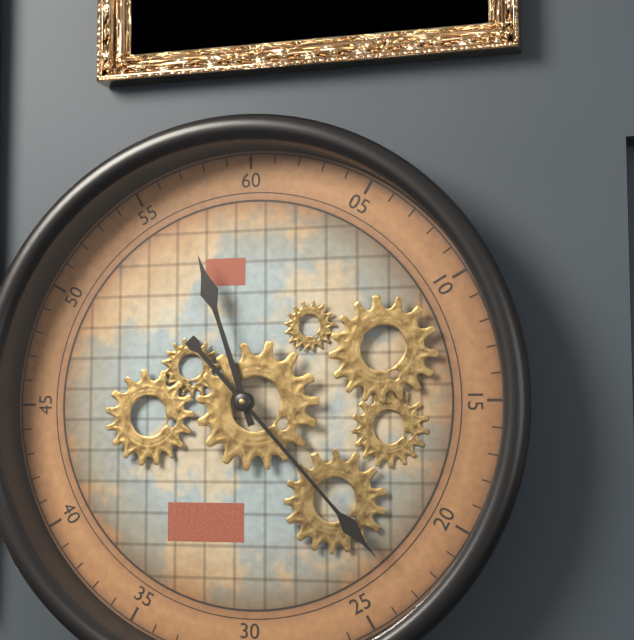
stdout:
{"hour": 11, "minute": 23}
